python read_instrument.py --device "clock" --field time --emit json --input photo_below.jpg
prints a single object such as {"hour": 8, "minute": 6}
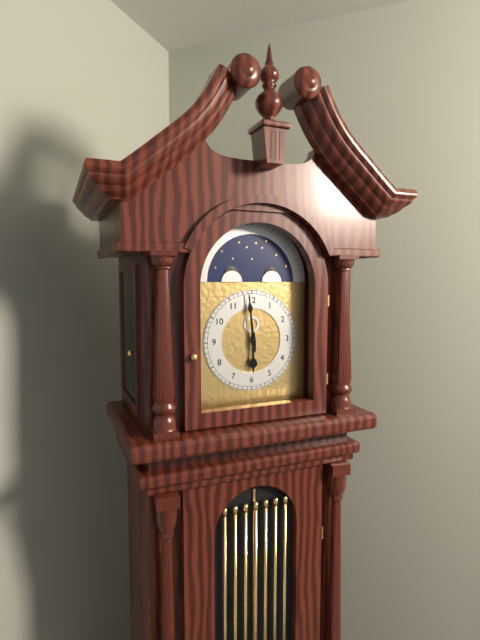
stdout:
{"hour": 5, "minute": 59}
